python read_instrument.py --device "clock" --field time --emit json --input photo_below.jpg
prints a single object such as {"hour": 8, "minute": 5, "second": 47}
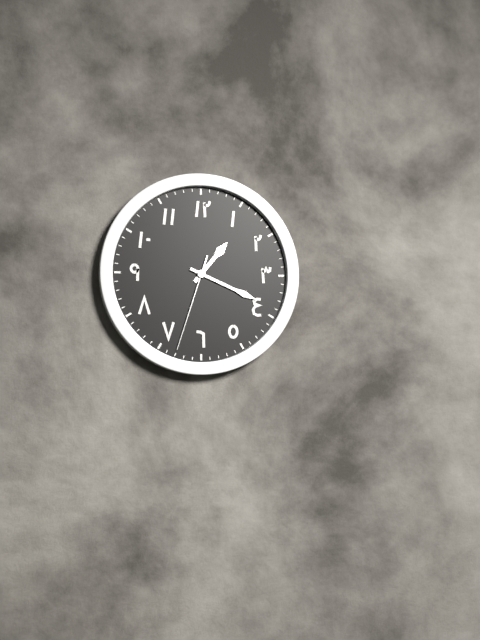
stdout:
{"hour": 1, "minute": 19, "second": 33}
